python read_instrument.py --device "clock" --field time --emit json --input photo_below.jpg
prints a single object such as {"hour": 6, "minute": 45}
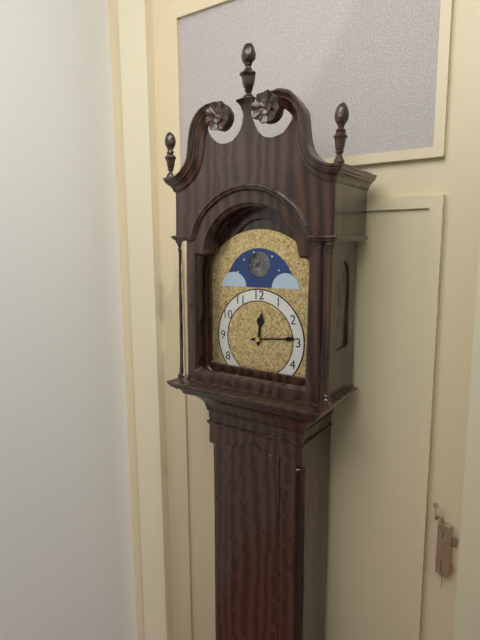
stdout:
{"hour": 12, "minute": 14}
